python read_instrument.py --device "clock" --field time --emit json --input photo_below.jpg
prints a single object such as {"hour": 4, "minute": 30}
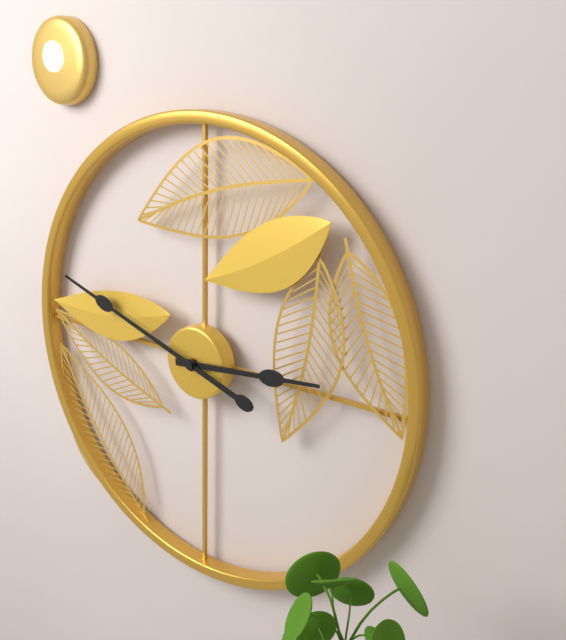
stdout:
{"hour": 2, "minute": 48}
